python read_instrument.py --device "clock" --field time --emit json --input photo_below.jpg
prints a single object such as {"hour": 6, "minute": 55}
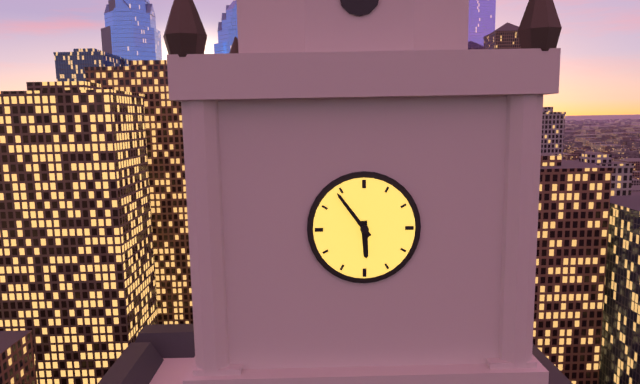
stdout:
{"hour": 5, "minute": 54}
